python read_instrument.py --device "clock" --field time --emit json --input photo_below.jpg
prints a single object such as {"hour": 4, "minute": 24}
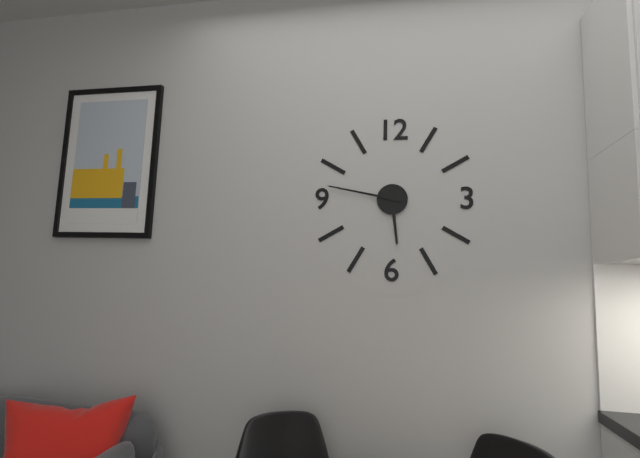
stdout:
{"hour": 5, "minute": 47}
